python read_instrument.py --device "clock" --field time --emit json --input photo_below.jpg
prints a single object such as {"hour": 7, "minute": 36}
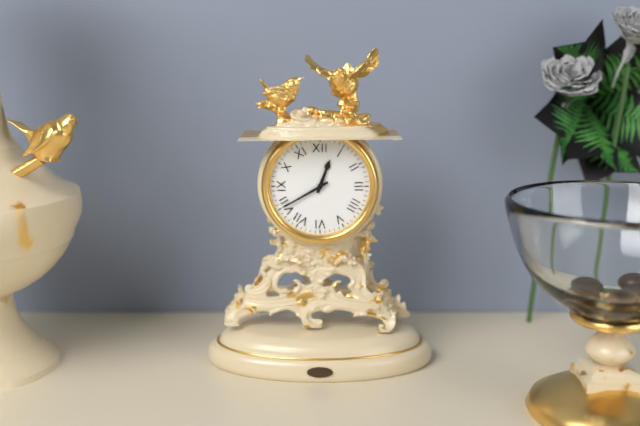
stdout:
{"hour": 12, "minute": 40}
